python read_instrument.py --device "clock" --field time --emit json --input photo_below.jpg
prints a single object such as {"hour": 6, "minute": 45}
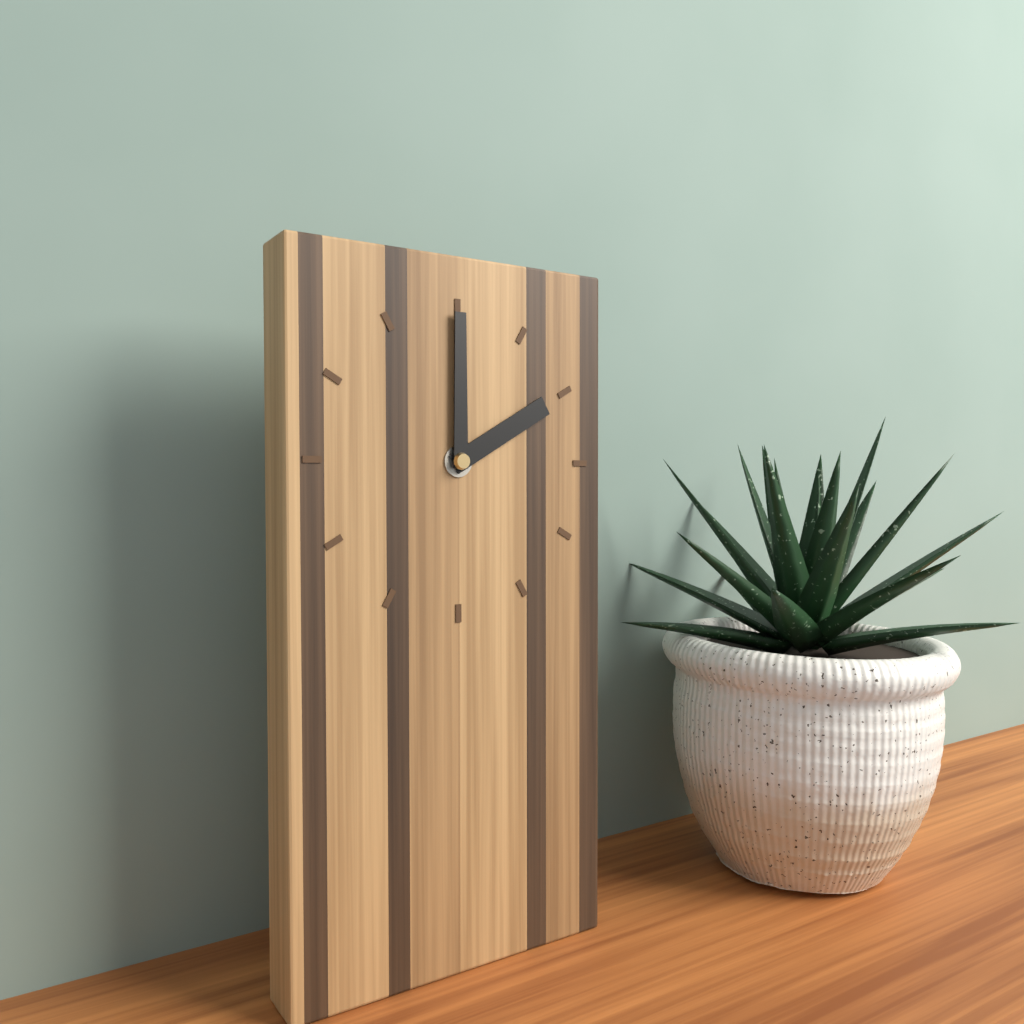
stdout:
{"hour": 2, "minute": 0}
